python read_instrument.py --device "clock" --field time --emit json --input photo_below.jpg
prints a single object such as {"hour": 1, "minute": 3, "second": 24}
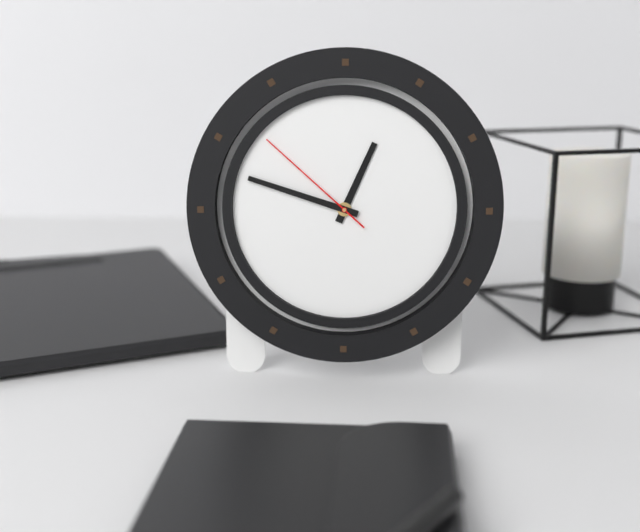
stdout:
{"hour": 12, "minute": 48, "second": 52}
